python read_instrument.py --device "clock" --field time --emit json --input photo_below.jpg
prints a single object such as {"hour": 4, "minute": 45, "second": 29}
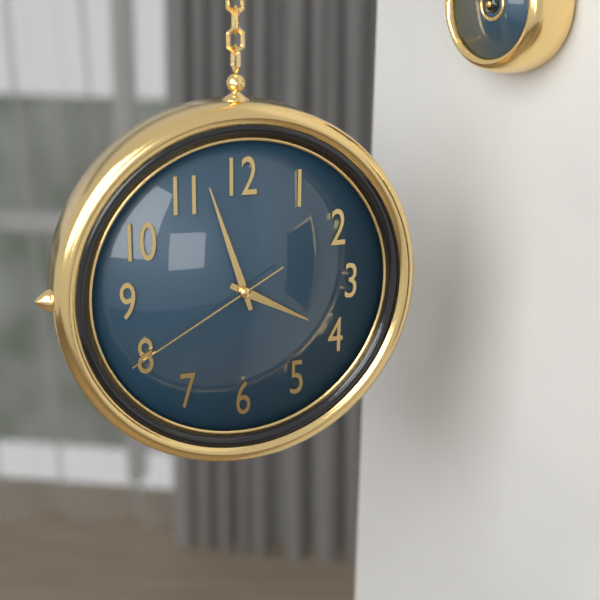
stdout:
{"hour": 3, "minute": 57, "second": 40}
